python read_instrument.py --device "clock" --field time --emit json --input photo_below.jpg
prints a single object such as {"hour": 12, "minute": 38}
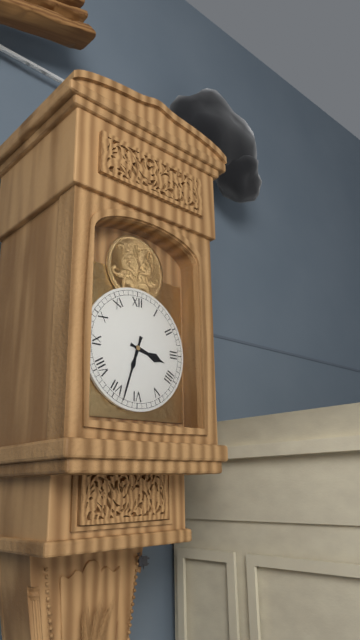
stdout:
{"hour": 3, "minute": 33}
